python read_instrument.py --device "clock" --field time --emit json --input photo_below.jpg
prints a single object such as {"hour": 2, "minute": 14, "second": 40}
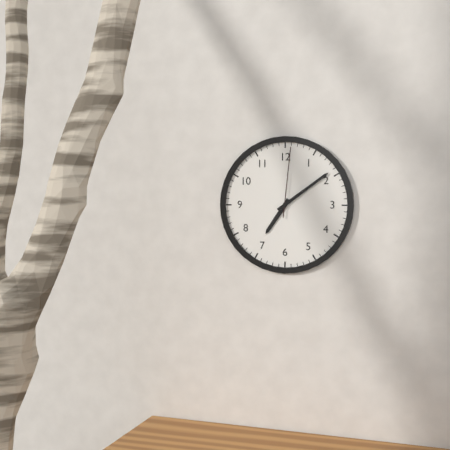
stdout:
{"hour": 7, "minute": 9, "second": 1}
